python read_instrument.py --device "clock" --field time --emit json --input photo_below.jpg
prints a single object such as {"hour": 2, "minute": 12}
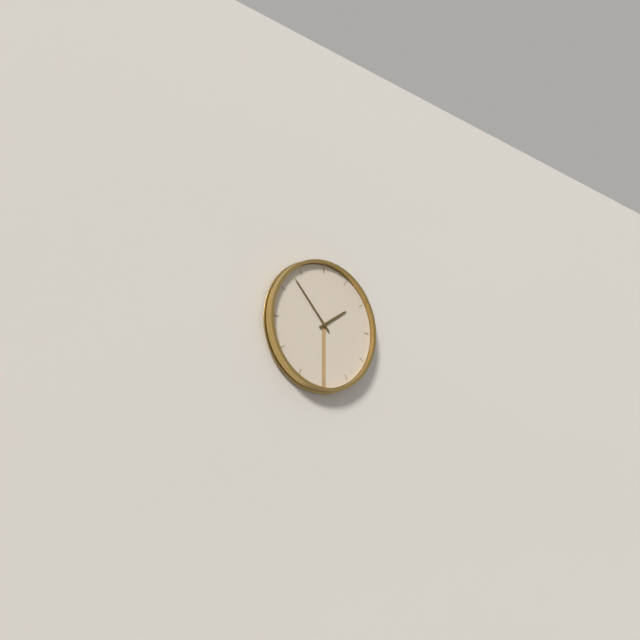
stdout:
{"hour": 1, "minute": 53}
